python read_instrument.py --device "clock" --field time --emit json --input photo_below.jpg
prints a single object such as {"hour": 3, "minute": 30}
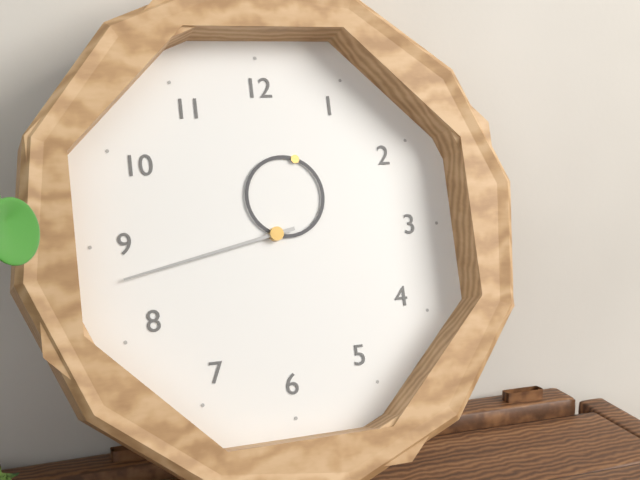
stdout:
{"hour": 12, "minute": 43}
